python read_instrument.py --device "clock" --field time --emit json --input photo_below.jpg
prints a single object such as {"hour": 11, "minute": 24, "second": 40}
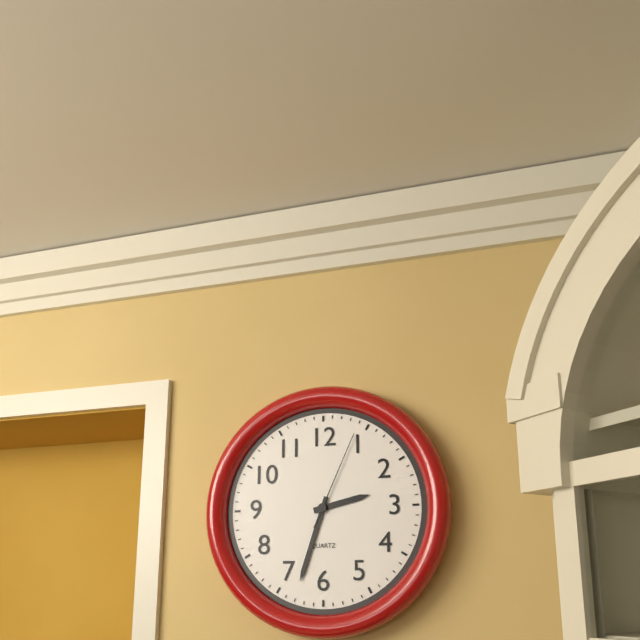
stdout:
{"hour": 2, "minute": 33, "second": 4}
